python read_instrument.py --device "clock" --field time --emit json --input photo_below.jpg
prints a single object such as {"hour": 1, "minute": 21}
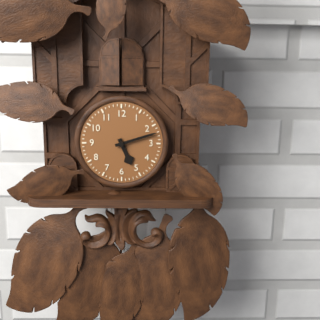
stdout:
{"hour": 5, "minute": 12}
